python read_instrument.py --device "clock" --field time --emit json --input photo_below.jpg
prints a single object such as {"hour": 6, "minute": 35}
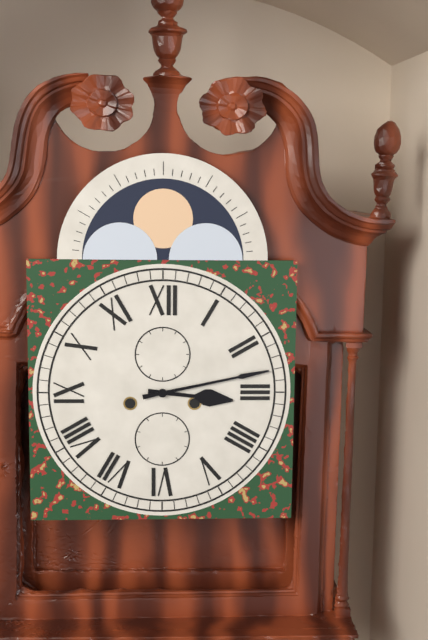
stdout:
{"hour": 3, "minute": 13}
